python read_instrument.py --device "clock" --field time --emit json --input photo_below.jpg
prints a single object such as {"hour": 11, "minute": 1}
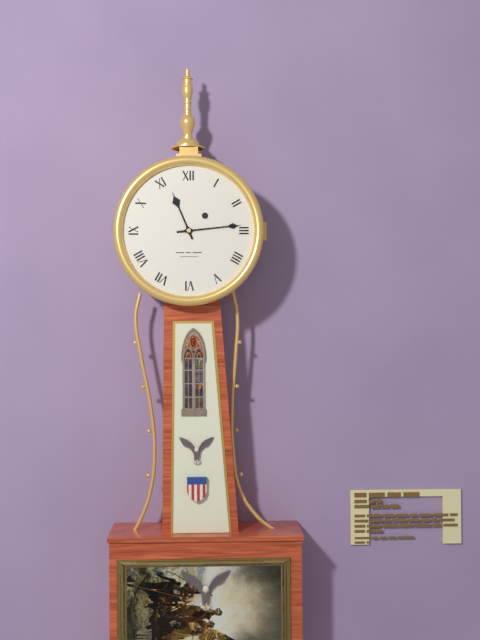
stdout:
{"hour": 11, "minute": 14}
